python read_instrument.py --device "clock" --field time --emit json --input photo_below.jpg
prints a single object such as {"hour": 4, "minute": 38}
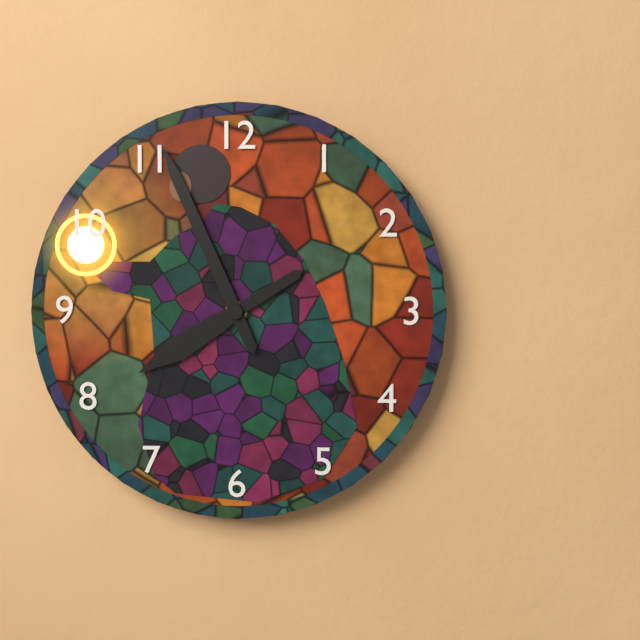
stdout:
{"hour": 7, "minute": 56}
